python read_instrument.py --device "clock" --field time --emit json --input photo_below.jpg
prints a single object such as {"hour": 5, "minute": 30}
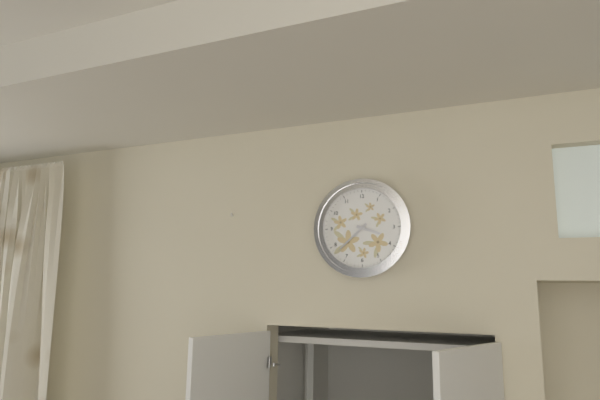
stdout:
{"hour": 3, "minute": 38}
